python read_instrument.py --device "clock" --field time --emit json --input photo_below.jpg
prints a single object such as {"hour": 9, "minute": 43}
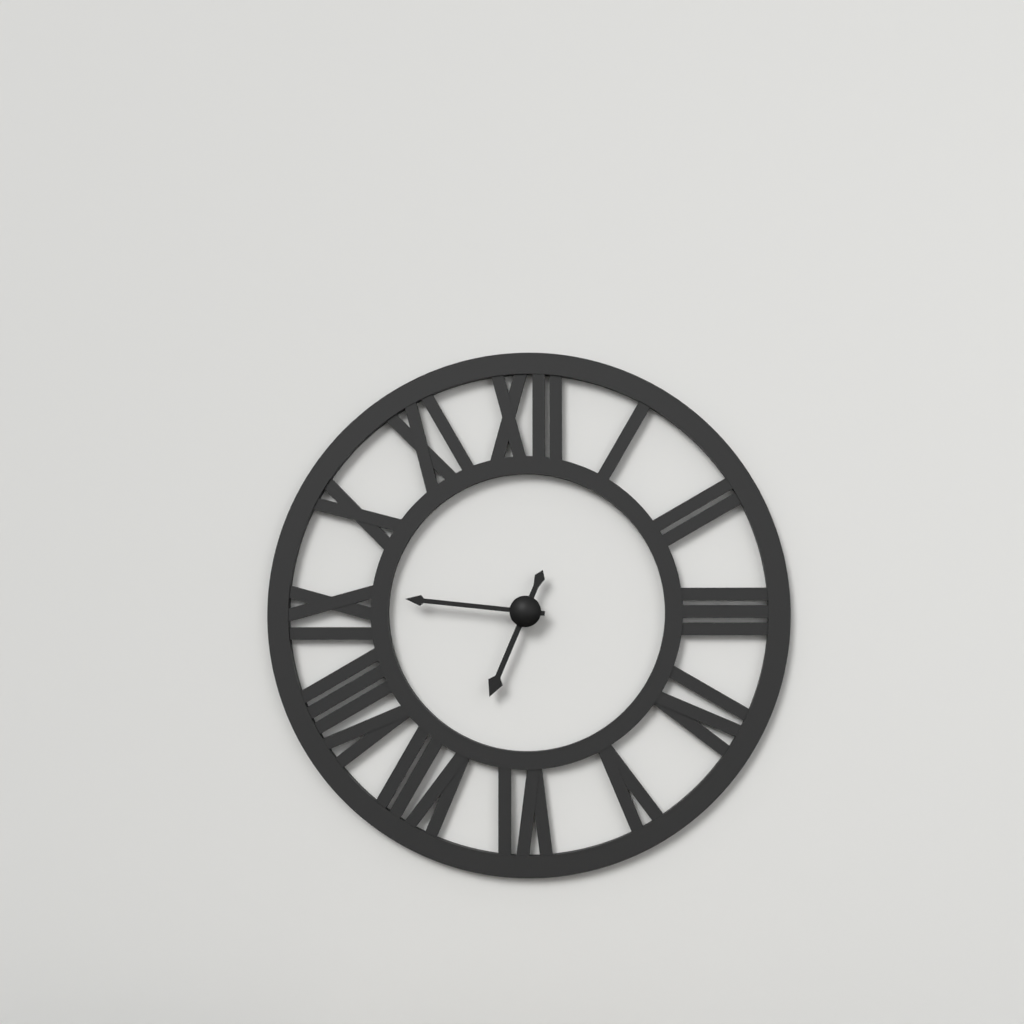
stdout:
{"hour": 6, "minute": 46}
